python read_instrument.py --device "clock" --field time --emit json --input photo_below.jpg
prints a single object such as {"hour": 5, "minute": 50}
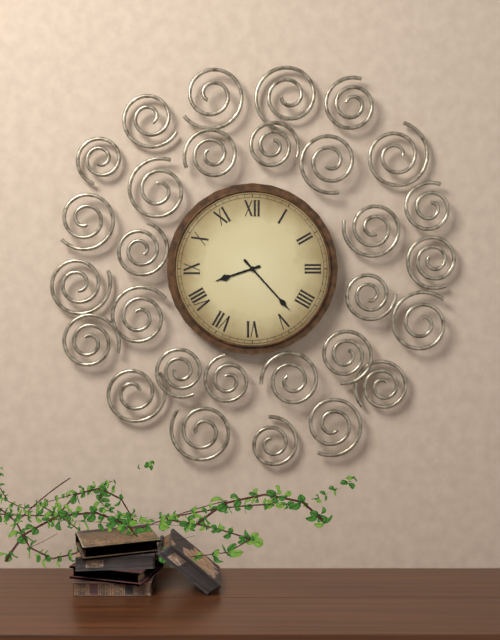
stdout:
{"hour": 8, "minute": 23}
